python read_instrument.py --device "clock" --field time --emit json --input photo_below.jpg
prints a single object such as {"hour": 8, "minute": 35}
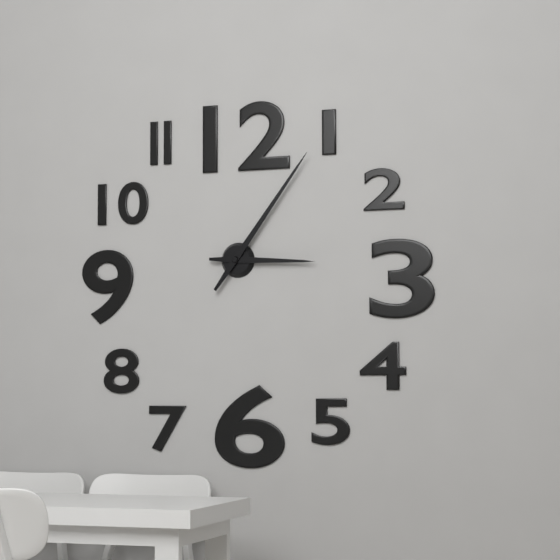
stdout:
{"hour": 3, "minute": 6}
